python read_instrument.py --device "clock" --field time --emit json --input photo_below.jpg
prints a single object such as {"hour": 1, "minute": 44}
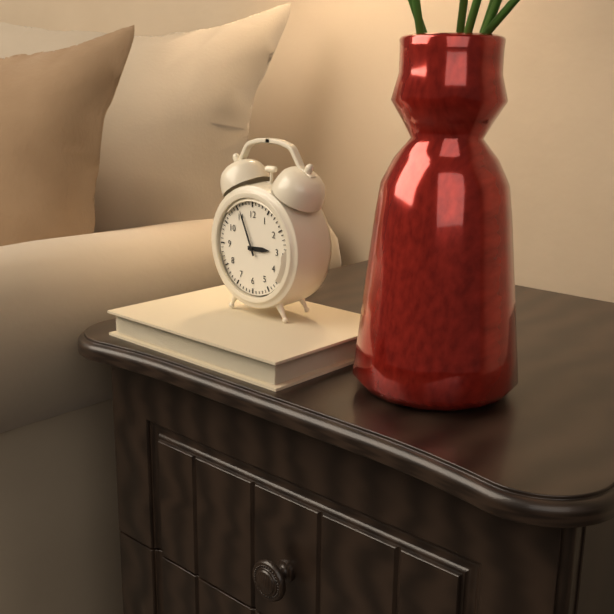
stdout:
{"hour": 2, "minute": 56}
